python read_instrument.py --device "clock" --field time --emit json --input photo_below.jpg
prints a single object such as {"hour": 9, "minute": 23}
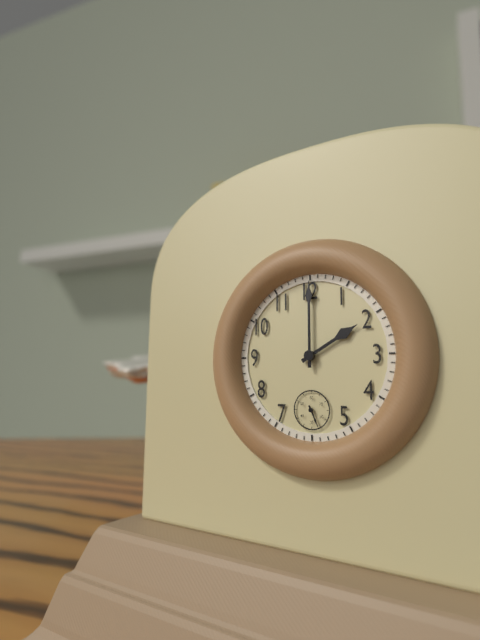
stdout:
{"hour": 2, "minute": 0}
